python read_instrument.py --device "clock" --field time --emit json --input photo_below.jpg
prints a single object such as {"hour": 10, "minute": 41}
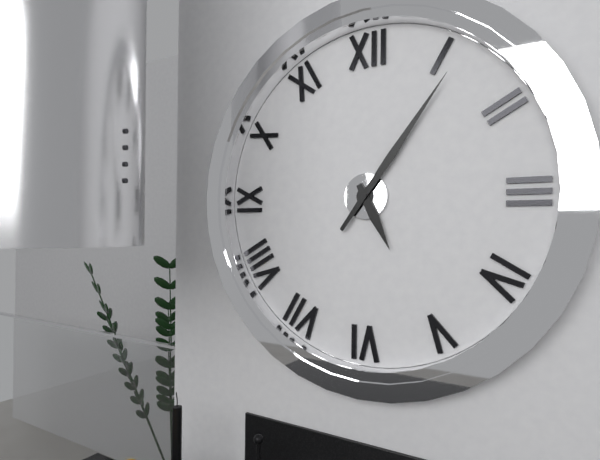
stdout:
{"hour": 5, "minute": 6}
